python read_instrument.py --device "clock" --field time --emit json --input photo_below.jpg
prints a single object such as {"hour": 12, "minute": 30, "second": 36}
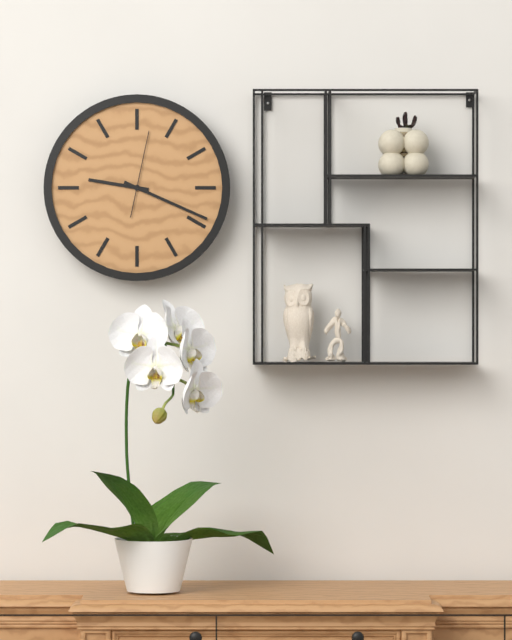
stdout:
{"hour": 9, "minute": 19, "second": 2}
